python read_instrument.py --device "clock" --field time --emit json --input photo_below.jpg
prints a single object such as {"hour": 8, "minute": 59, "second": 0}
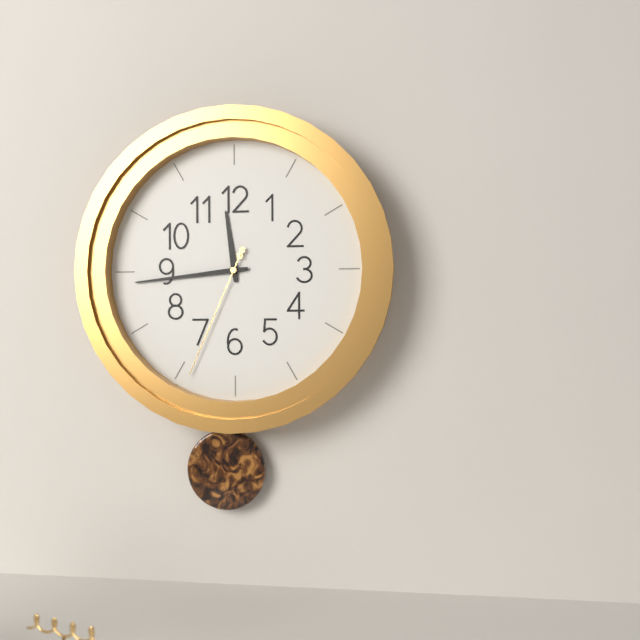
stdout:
{"hour": 11, "minute": 44, "second": 34}
